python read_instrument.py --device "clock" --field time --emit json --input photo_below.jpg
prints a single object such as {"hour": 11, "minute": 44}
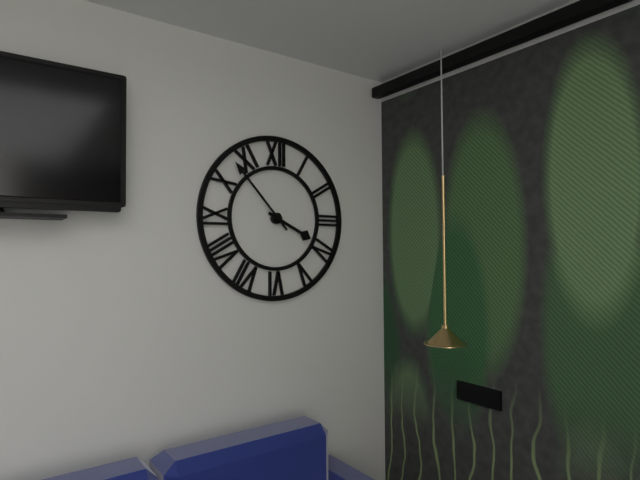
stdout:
{"hour": 3, "minute": 53}
